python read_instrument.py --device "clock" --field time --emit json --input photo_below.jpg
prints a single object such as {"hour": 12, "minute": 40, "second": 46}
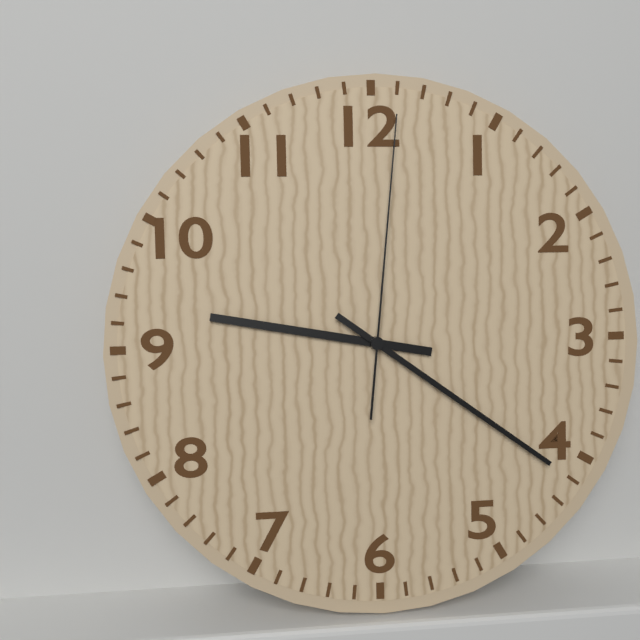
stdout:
{"hour": 9, "minute": 21, "second": 1}
